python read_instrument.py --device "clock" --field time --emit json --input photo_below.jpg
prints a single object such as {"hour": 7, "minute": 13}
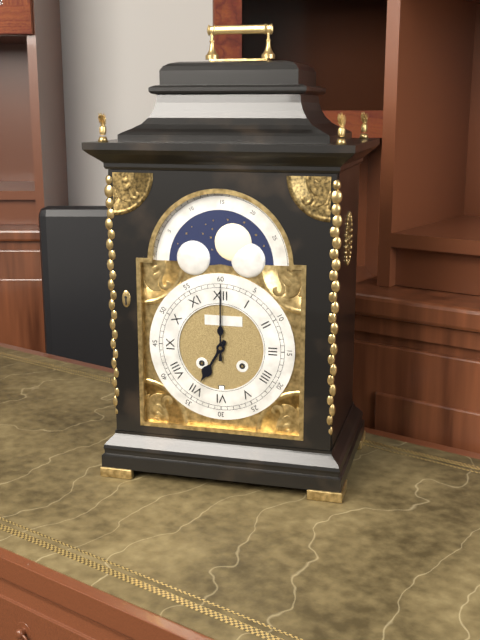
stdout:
{"hour": 7, "minute": 0}
